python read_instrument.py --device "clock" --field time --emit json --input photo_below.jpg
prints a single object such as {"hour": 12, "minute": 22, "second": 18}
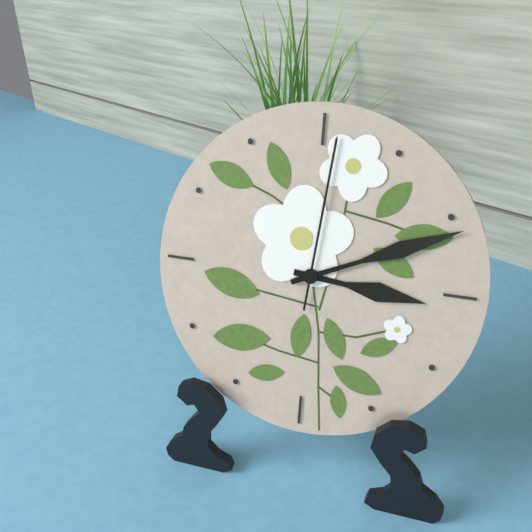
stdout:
{"hour": 3, "minute": 11, "second": 1}
